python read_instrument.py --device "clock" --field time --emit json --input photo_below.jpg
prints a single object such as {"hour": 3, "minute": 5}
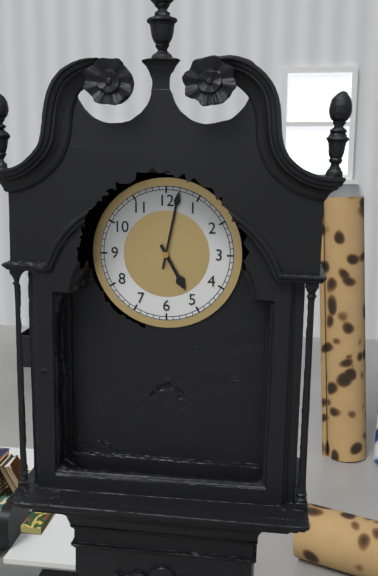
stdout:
{"hour": 5, "minute": 2}
